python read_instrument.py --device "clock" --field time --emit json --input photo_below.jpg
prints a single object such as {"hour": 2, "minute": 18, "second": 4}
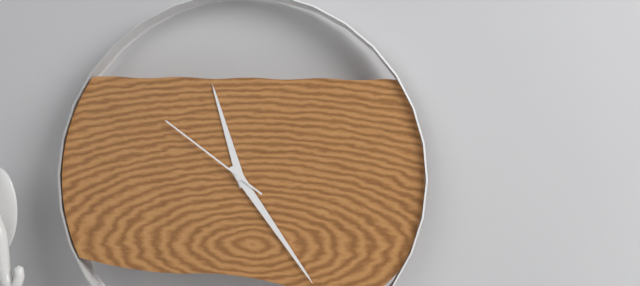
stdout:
{"hour": 11, "minute": 24, "second": 51}
